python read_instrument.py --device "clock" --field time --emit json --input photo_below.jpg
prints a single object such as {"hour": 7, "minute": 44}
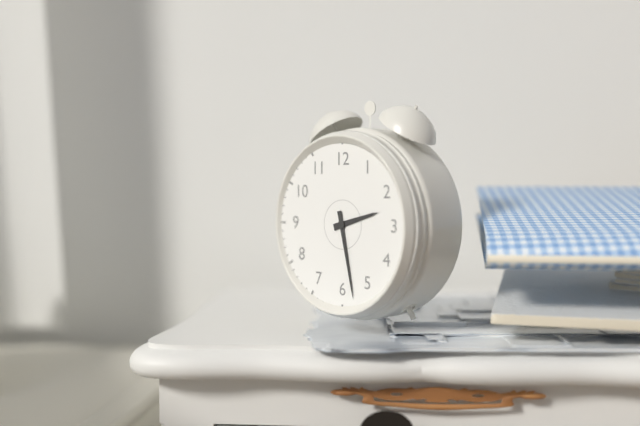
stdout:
{"hour": 2, "minute": 28}
